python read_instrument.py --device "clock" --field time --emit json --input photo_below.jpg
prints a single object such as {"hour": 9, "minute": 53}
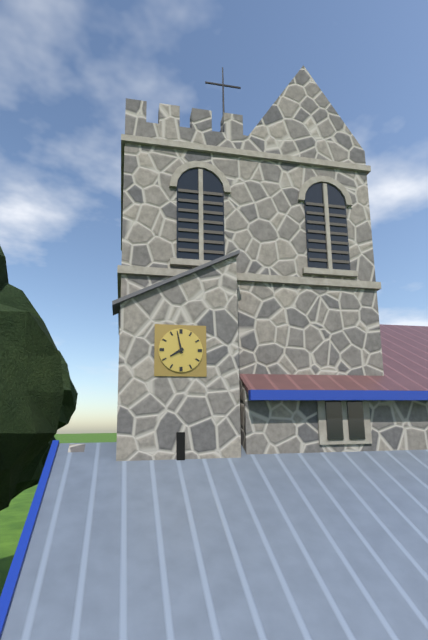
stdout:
{"hour": 7, "minute": 58}
